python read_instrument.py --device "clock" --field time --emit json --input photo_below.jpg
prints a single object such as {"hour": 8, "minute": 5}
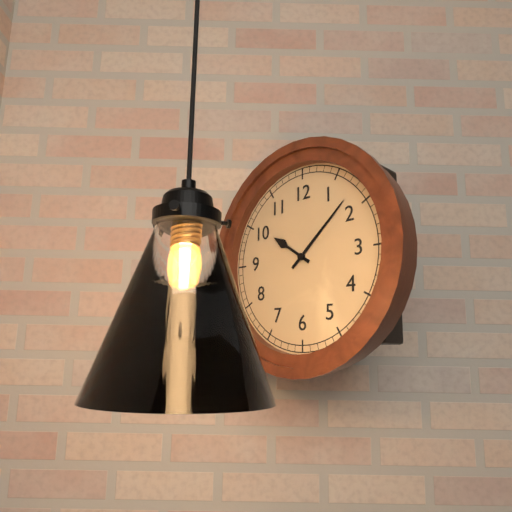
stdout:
{"hour": 10, "minute": 8}
